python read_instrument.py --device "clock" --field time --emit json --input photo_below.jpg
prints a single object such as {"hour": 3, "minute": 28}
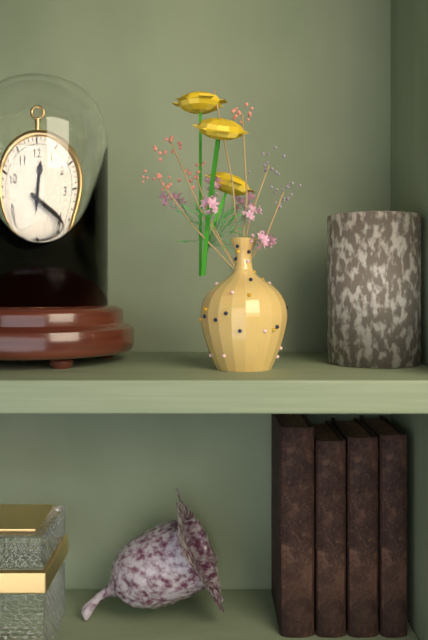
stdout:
{"hour": 12, "minute": 20}
